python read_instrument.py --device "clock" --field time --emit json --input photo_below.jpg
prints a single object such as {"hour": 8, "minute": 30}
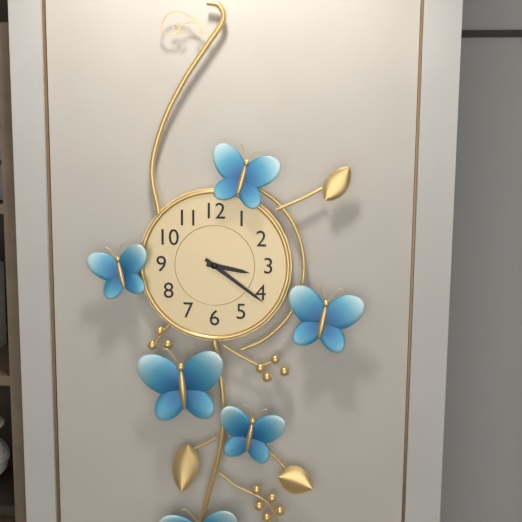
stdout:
{"hour": 3, "minute": 21}
